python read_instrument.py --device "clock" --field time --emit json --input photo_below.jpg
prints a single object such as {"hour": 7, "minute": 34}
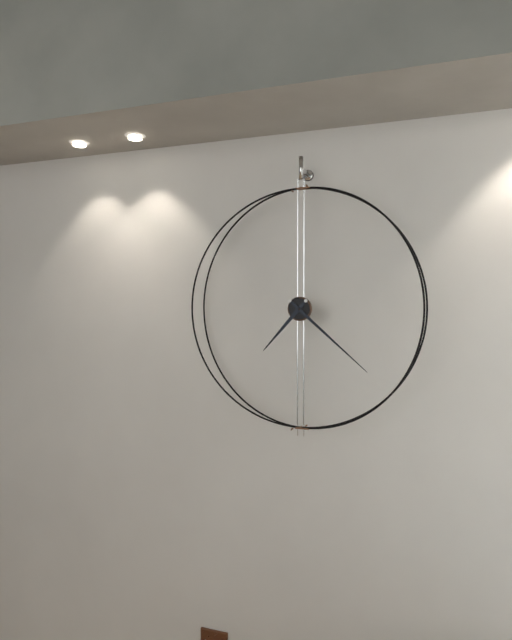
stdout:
{"hour": 7, "minute": 22}
